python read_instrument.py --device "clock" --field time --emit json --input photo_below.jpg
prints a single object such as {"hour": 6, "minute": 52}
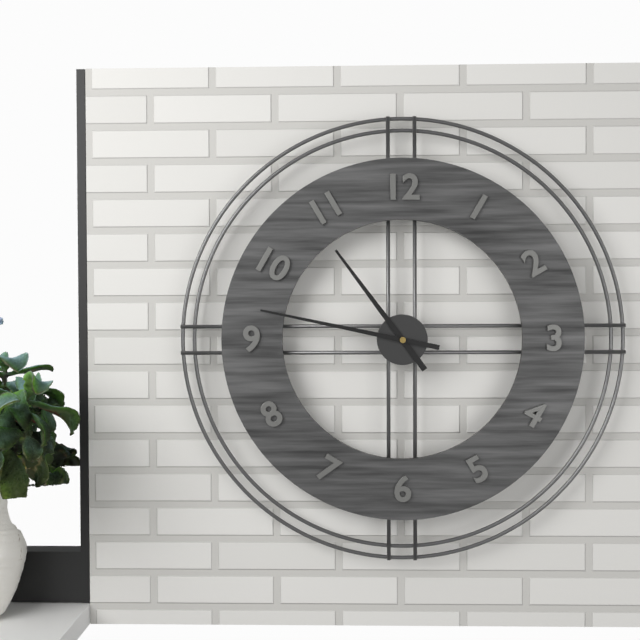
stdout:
{"hour": 10, "minute": 47}
